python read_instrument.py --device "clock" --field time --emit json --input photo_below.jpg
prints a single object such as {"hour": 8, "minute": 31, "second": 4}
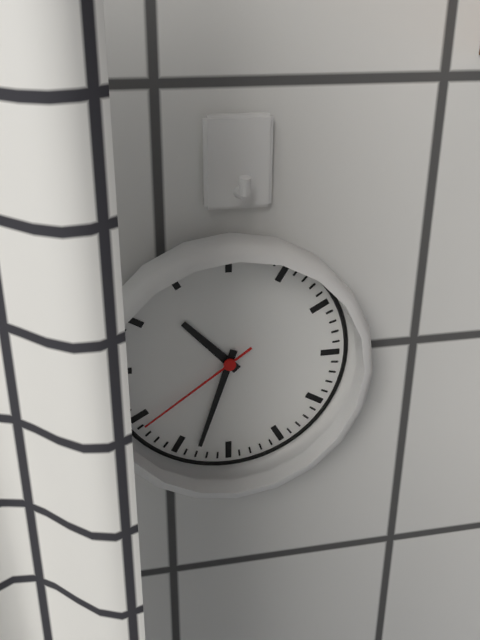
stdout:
{"hour": 10, "minute": 33, "second": 39}
